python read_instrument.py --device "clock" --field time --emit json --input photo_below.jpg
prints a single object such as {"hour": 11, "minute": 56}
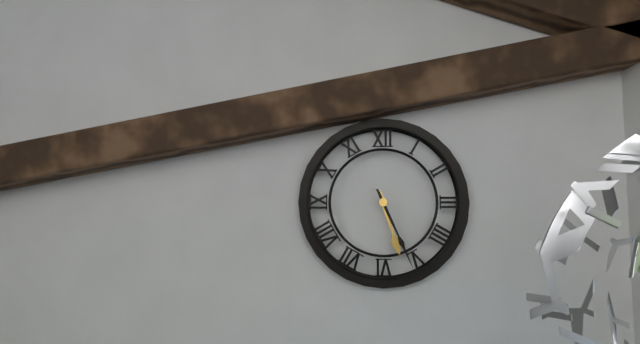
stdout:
{"hour": 5, "minute": 26}
